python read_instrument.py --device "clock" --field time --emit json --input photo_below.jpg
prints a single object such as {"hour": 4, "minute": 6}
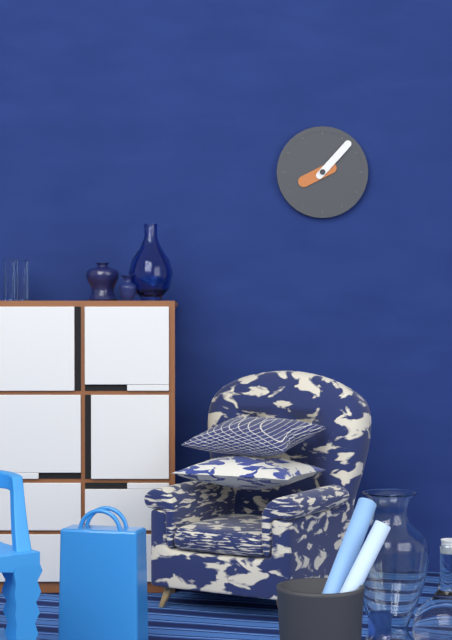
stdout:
{"hour": 8, "minute": 7}
